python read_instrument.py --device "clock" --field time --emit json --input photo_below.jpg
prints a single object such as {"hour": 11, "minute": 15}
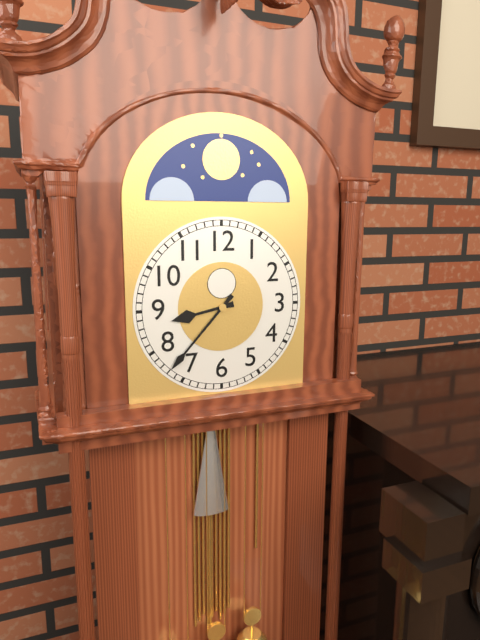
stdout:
{"hour": 8, "minute": 37}
